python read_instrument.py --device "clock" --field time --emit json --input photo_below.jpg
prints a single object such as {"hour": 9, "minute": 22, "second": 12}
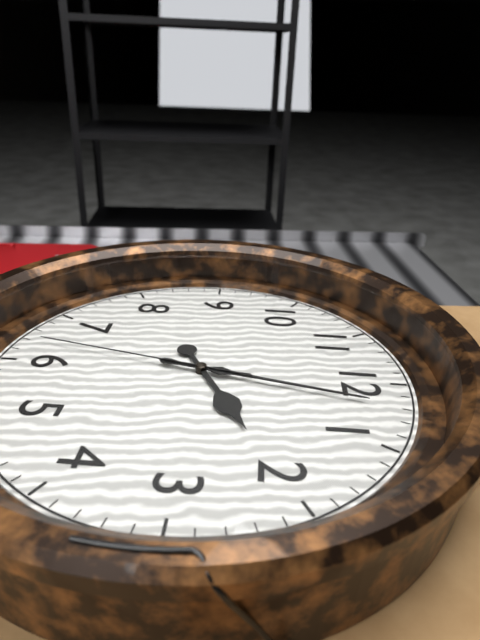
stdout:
{"hour": 2, "minute": 2, "second": 32}
